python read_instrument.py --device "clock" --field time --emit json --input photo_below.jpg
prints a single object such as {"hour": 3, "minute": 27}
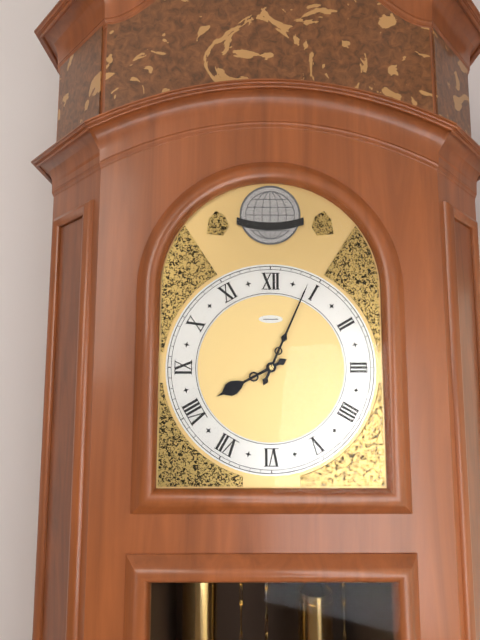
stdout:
{"hour": 8, "minute": 4}
